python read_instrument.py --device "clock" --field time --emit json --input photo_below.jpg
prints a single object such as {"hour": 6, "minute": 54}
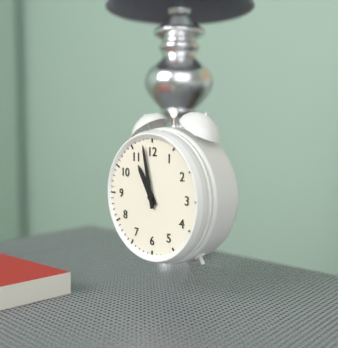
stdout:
{"hour": 10, "minute": 58}
